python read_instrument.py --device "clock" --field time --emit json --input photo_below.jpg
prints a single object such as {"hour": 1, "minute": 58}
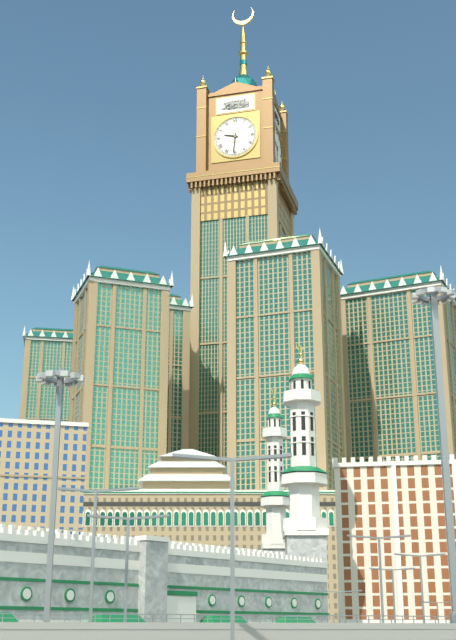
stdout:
{"hour": 9, "minute": 31}
